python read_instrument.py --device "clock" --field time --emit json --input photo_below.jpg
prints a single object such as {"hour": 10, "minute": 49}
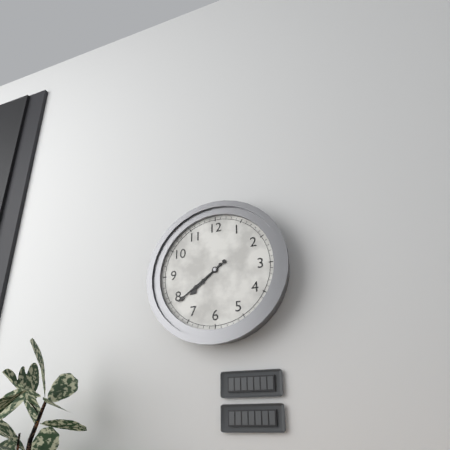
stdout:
{"hour": 7, "minute": 39}
